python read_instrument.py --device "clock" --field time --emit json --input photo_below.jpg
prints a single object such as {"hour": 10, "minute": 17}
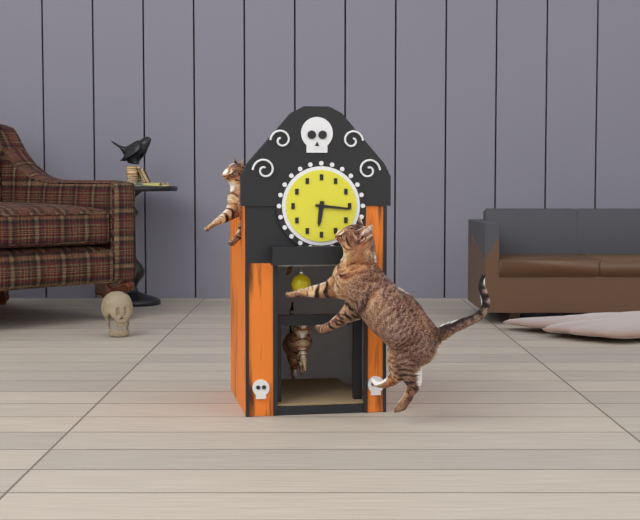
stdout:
{"hour": 6, "minute": 16}
